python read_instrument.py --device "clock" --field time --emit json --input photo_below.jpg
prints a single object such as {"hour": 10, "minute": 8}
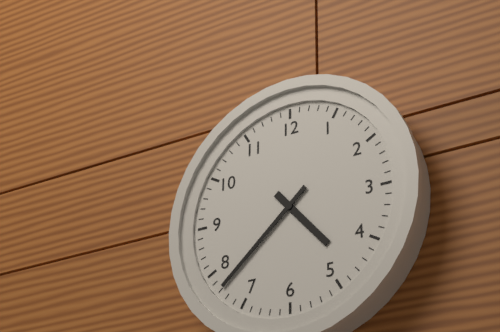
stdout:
{"hour": 4, "minute": 38}
